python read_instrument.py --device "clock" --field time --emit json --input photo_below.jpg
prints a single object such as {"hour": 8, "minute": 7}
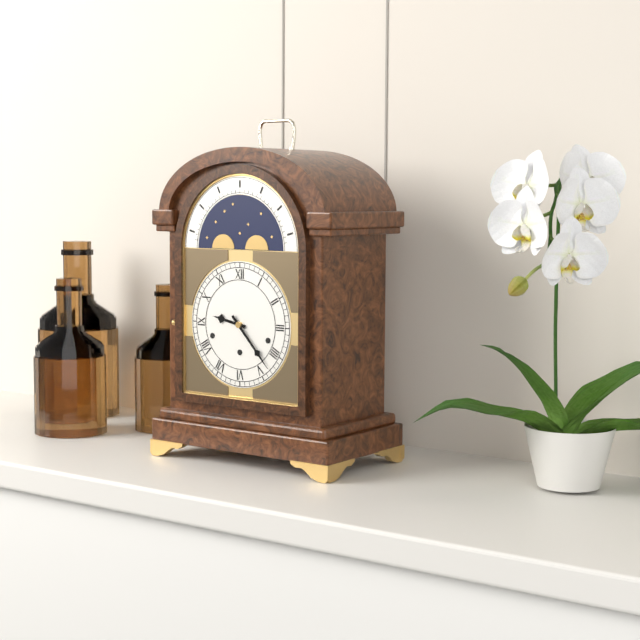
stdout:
{"hour": 9, "minute": 23}
